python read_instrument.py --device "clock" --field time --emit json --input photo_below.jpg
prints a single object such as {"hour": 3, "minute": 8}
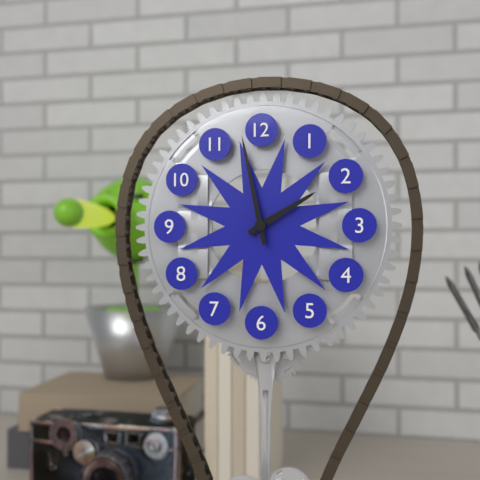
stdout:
{"hour": 1, "minute": 58}
